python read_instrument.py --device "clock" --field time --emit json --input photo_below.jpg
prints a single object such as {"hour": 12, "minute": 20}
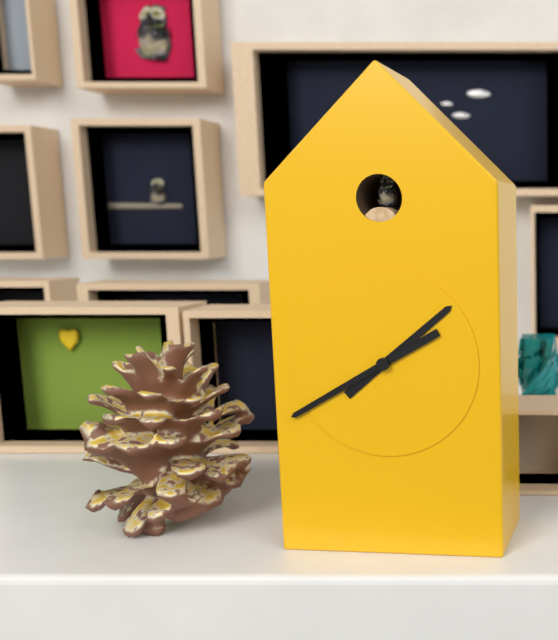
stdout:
{"hour": 1, "minute": 40}
